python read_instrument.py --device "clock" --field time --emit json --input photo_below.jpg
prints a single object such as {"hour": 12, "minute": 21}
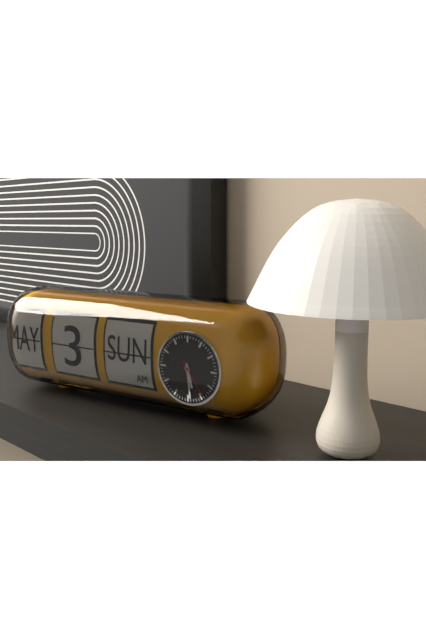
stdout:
{"hour": 5, "minute": 29}
